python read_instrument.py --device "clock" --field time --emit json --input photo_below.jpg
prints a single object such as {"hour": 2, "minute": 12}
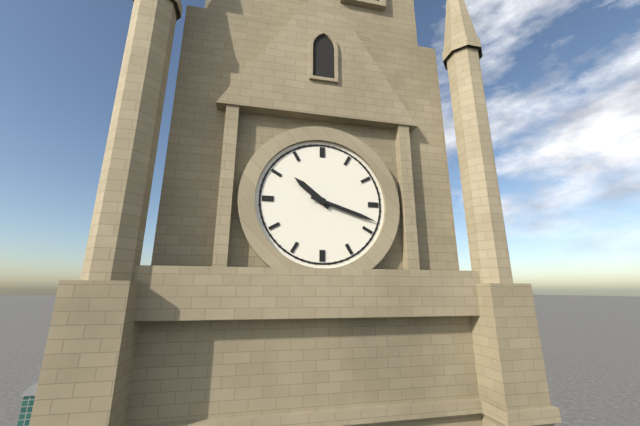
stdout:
{"hour": 10, "minute": 18}
